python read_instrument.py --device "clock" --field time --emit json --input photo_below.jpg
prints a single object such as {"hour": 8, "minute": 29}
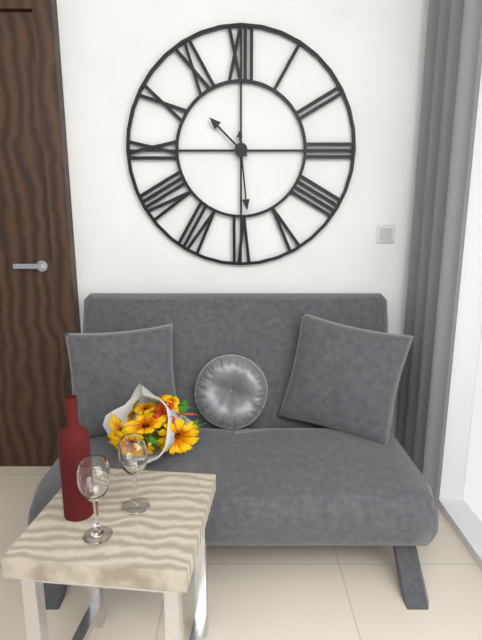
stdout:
{"hour": 10, "minute": 29}
